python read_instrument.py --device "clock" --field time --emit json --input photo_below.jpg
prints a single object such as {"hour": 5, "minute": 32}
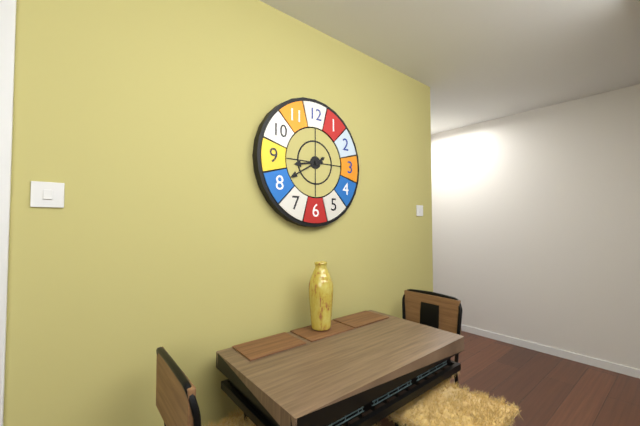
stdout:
{"hour": 8, "minute": 40}
